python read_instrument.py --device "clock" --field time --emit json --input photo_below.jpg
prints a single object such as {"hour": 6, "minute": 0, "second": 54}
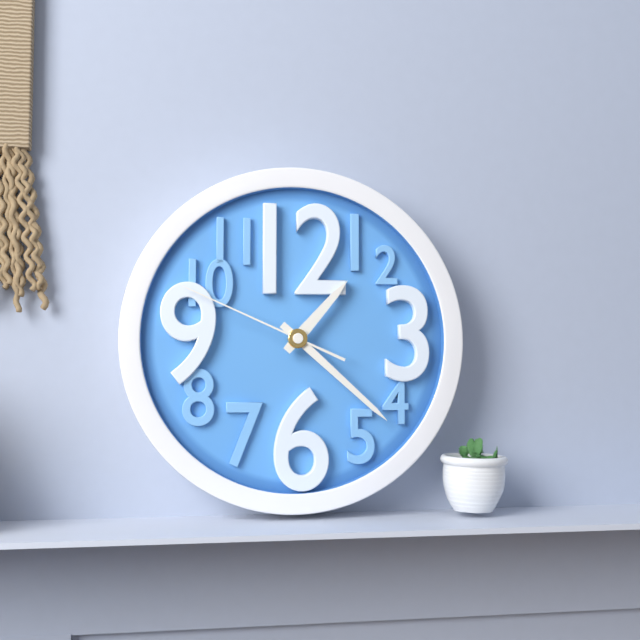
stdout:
{"hour": 1, "minute": 22, "second": 49}
